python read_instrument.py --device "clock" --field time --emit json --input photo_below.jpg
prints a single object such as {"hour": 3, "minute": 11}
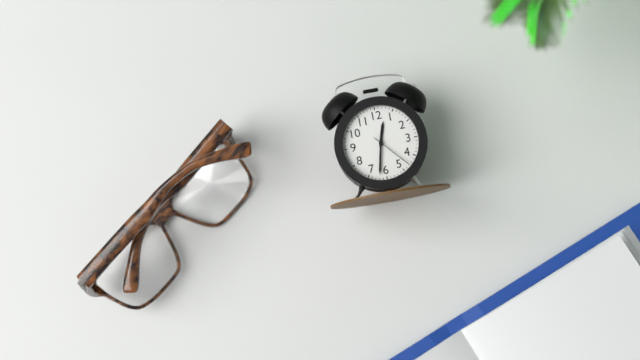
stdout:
{"hour": 12, "minute": 32}
